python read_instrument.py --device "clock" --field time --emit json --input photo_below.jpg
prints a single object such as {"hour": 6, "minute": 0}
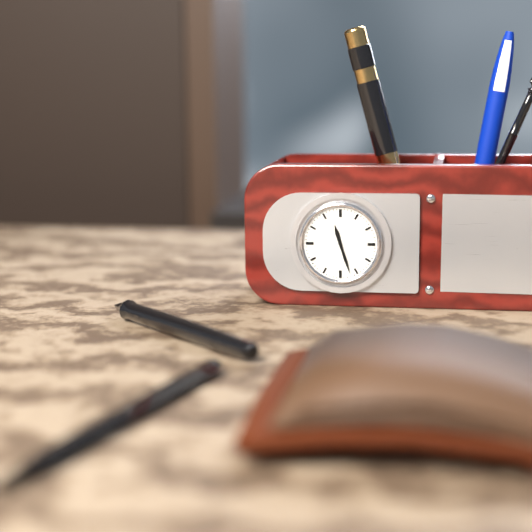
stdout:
{"hour": 11, "minute": 27}
